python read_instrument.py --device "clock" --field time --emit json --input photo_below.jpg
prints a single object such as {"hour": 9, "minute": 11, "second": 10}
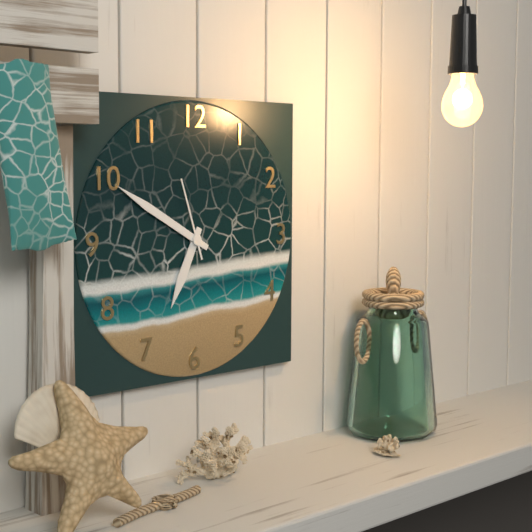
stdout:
{"hour": 6, "minute": 50, "second": 57}
